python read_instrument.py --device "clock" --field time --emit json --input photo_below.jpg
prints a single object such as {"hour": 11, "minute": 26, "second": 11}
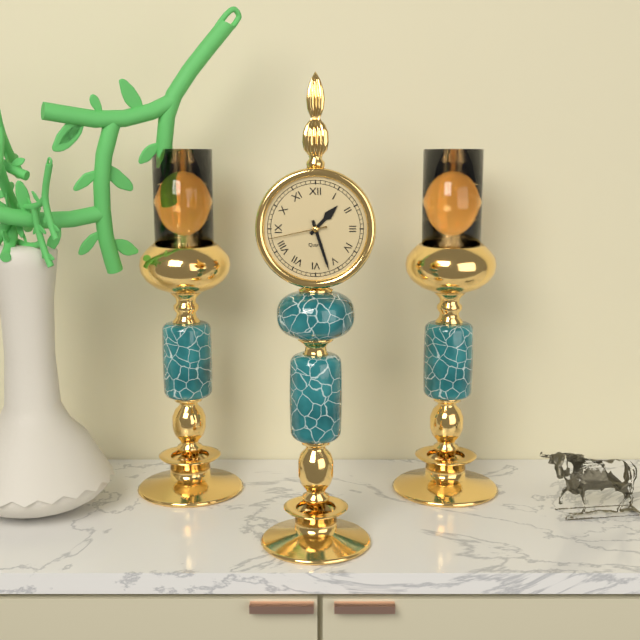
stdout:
{"hour": 1, "minute": 27, "second": 43}
